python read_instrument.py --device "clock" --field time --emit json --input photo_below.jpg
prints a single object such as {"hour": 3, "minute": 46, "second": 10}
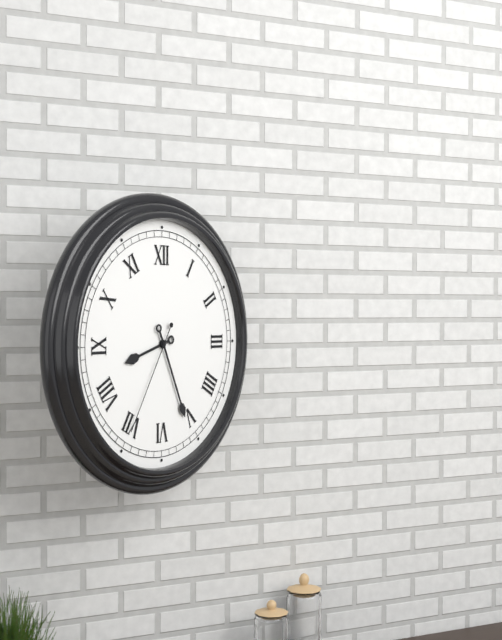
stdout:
{"hour": 8, "minute": 26, "second": 35}
